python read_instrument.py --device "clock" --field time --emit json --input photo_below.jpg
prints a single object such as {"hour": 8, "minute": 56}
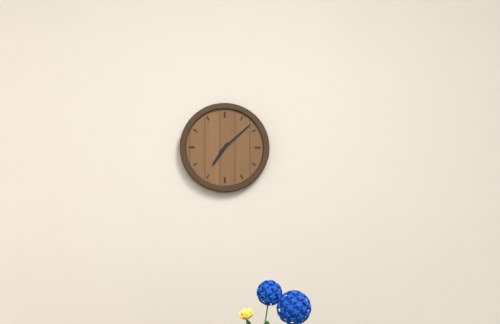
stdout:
{"hour": 7, "minute": 8}
